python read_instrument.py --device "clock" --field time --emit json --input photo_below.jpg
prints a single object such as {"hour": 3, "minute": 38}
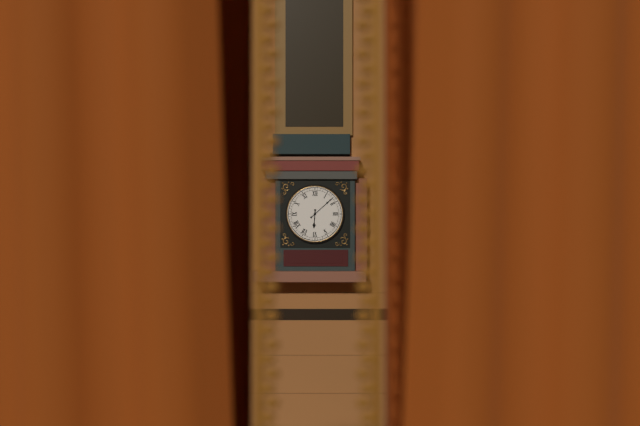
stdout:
{"hour": 6, "minute": 8}
